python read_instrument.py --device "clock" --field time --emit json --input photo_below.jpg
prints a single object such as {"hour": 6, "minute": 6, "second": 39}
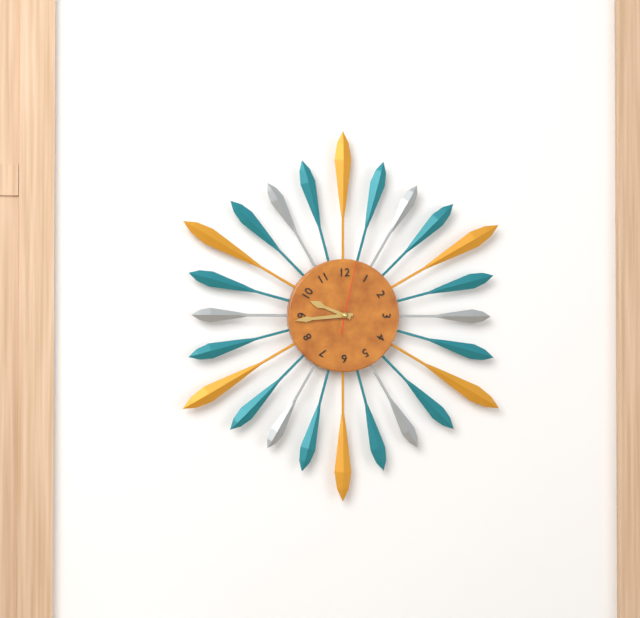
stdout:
{"hour": 9, "minute": 44, "second": 2}
